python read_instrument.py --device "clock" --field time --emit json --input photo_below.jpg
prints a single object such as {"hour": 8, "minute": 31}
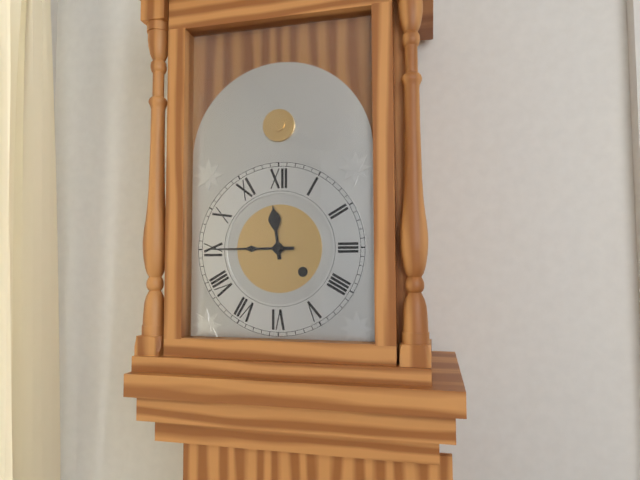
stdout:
{"hour": 11, "minute": 45}
